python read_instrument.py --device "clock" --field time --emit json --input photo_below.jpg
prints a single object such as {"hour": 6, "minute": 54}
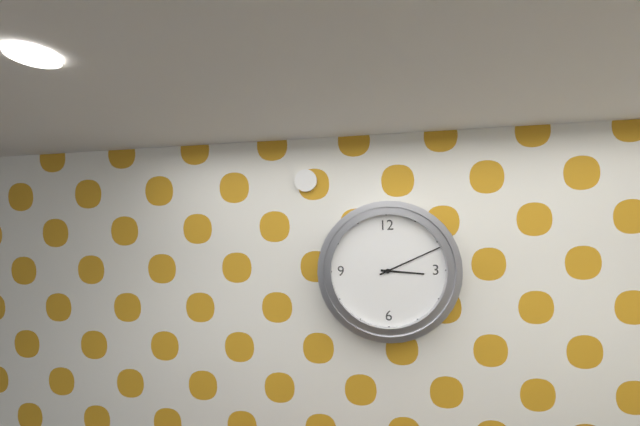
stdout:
{"hour": 3, "minute": 11}
